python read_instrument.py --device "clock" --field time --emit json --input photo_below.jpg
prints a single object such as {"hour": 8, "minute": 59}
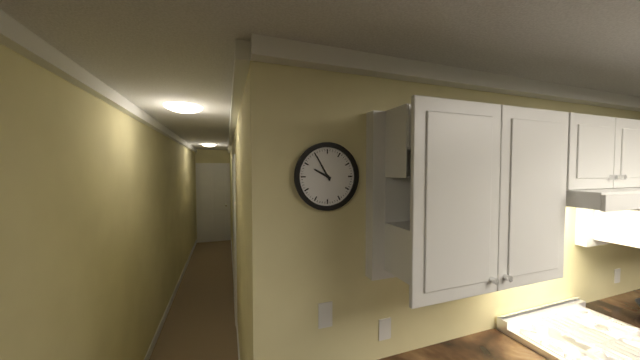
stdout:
{"hour": 9, "minute": 55}
